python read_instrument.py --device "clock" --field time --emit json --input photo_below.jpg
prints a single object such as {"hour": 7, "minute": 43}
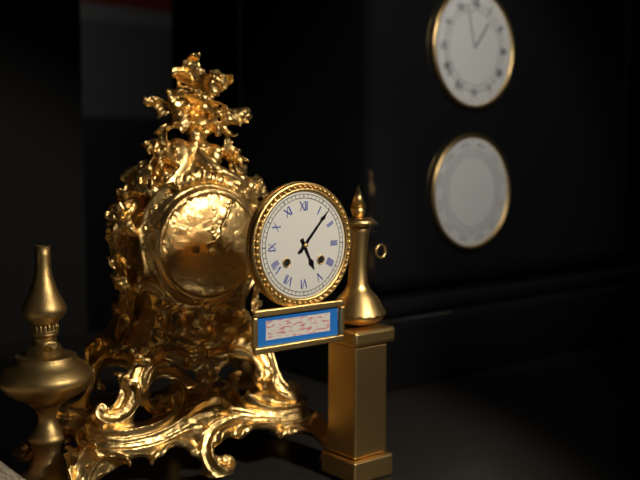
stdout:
{"hour": 5, "minute": 7}
